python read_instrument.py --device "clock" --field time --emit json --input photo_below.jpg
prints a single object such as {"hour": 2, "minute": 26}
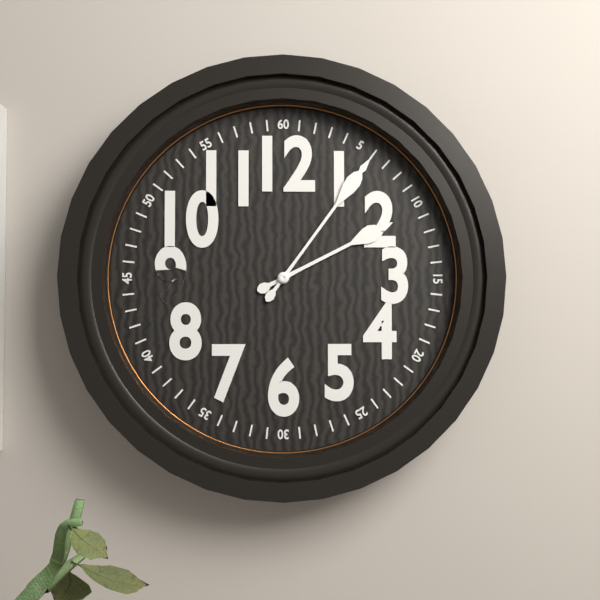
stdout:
{"hour": 2, "minute": 6}
